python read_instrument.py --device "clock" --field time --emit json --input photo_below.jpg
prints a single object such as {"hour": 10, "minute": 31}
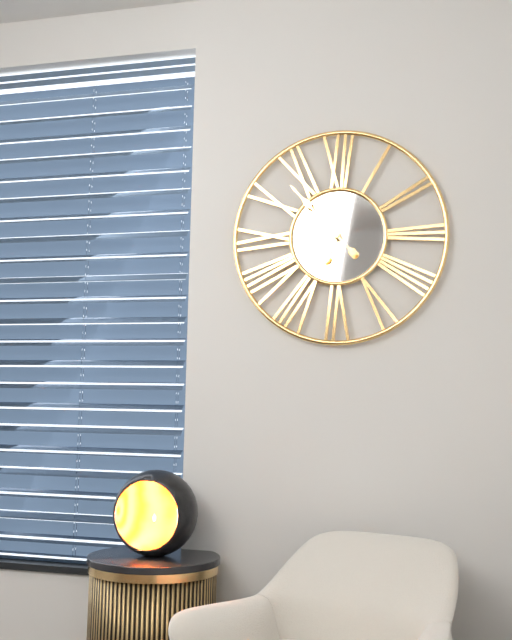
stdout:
{"hour": 6, "minute": 53}
